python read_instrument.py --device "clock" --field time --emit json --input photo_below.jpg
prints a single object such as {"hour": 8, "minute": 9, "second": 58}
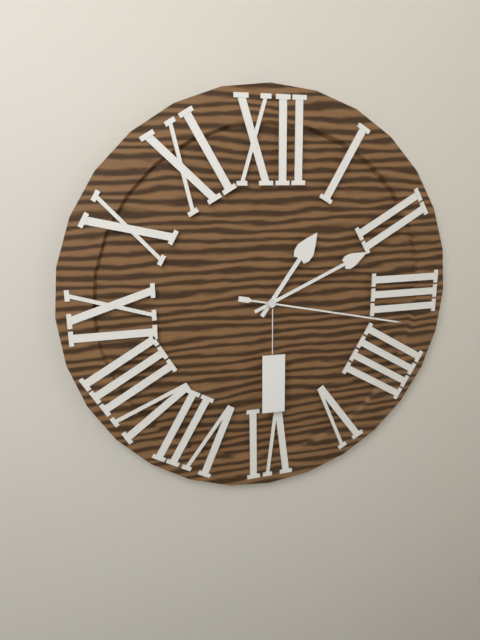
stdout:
{"hour": 1, "minute": 11, "second": 17}
